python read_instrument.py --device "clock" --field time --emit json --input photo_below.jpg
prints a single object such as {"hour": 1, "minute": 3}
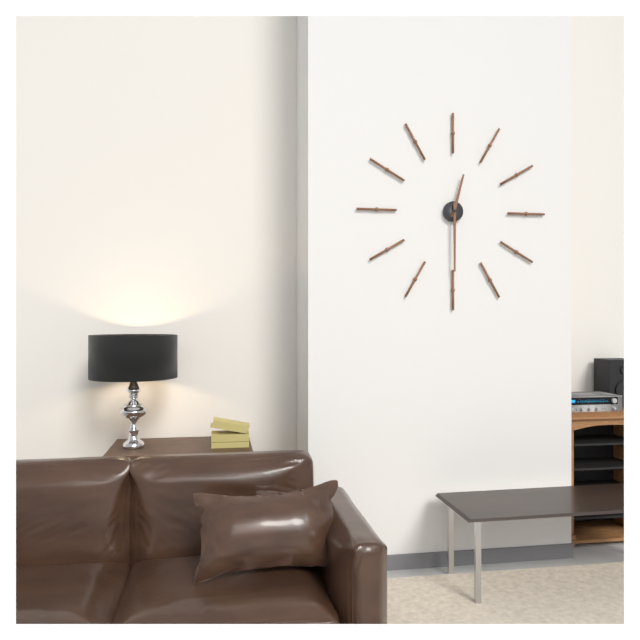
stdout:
{"hour": 12, "minute": 30}
